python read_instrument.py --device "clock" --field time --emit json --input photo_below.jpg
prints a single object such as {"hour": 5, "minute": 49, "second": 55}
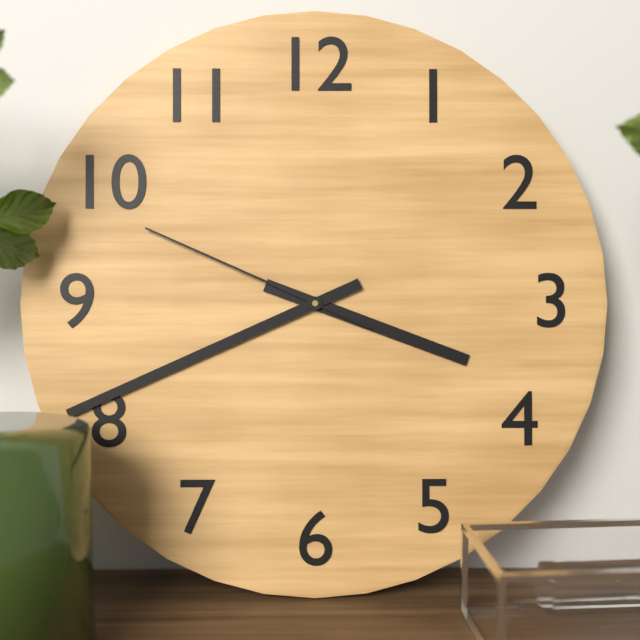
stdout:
{"hour": 3, "minute": 41, "second": 49}
